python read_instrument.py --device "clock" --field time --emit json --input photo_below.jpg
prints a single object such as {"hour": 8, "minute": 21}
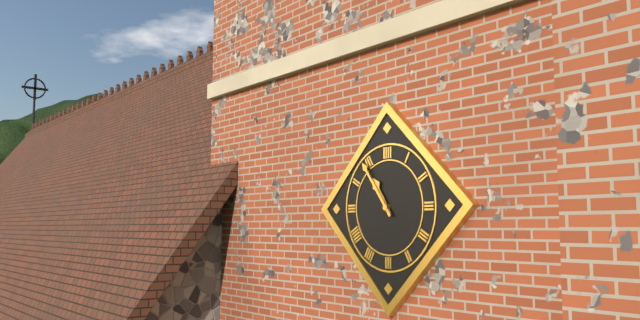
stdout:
{"hour": 10, "minute": 54}
